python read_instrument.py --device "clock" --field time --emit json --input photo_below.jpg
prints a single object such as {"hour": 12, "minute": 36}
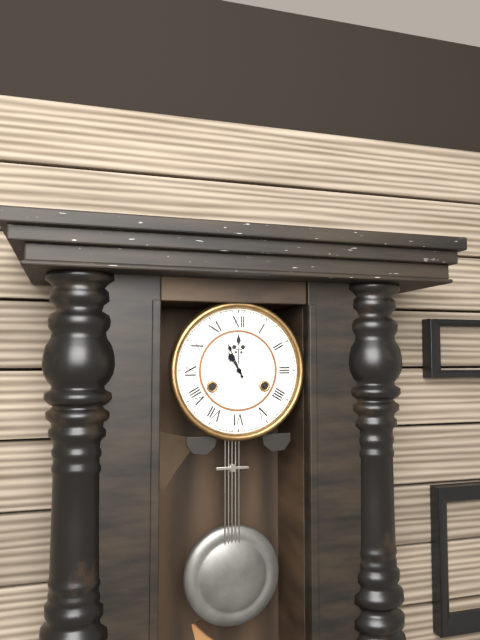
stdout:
{"hour": 10, "minute": 56}
